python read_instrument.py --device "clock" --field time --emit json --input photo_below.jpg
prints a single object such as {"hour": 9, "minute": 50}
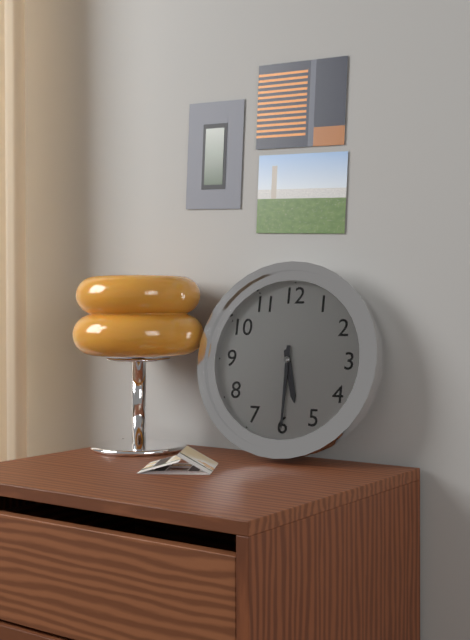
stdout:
{"hour": 5, "minute": 30}
